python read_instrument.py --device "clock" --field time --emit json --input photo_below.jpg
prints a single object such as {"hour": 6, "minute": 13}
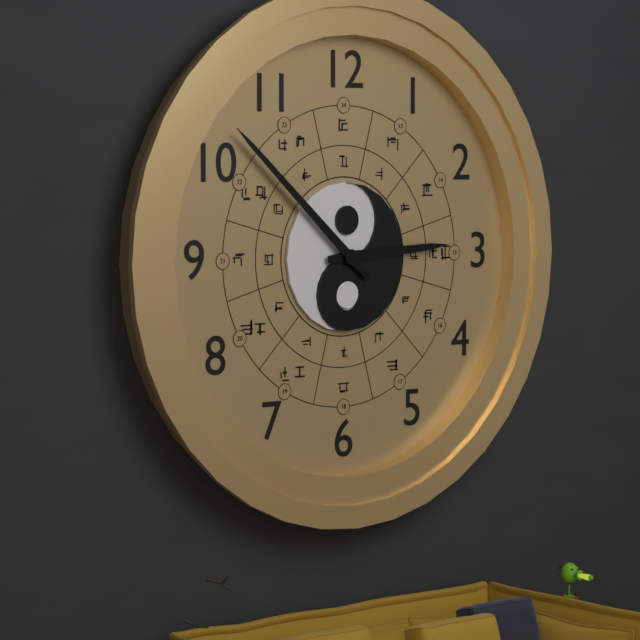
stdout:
{"hour": 2, "minute": 52}
